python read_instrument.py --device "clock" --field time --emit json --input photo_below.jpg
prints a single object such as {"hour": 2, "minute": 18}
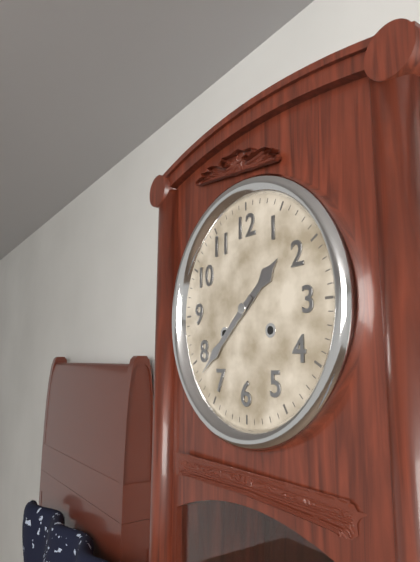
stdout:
{"hour": 1, "minute": 38}
